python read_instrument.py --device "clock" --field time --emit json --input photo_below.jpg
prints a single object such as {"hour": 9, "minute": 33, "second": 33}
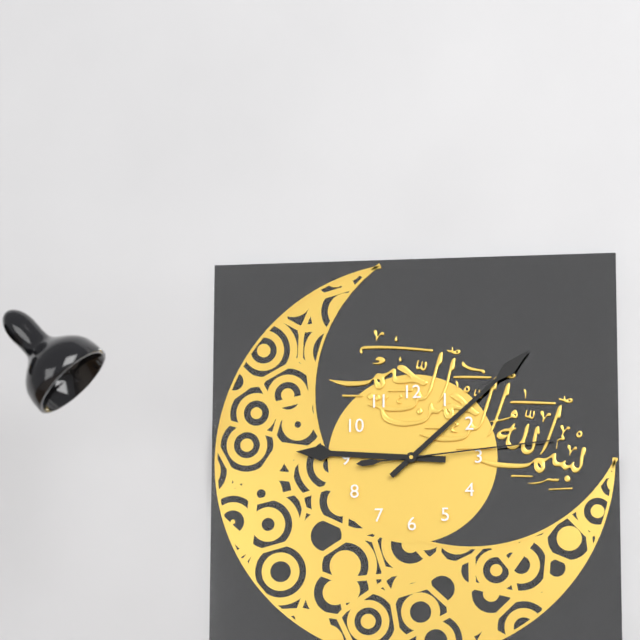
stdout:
{"hour": 9, "minute": 8, "second": 14}
